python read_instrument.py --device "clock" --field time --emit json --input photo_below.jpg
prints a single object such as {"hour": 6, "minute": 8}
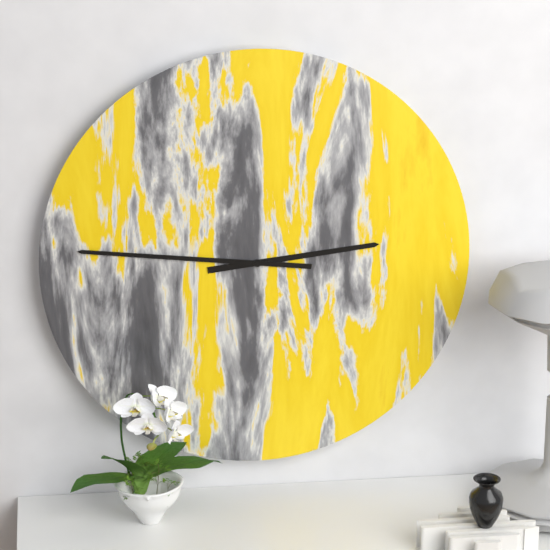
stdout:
{"hour": 2, "minute": 46}
